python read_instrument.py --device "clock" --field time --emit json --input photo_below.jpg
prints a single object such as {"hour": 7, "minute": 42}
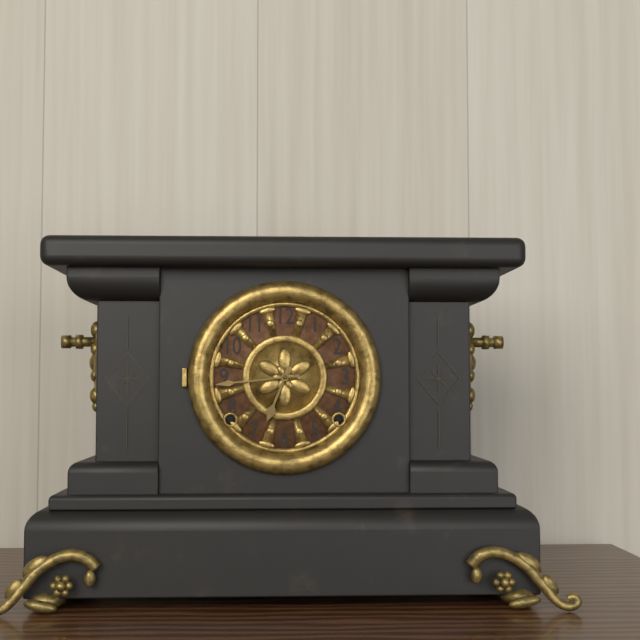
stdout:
{"hour": 6, "minute": 44}
